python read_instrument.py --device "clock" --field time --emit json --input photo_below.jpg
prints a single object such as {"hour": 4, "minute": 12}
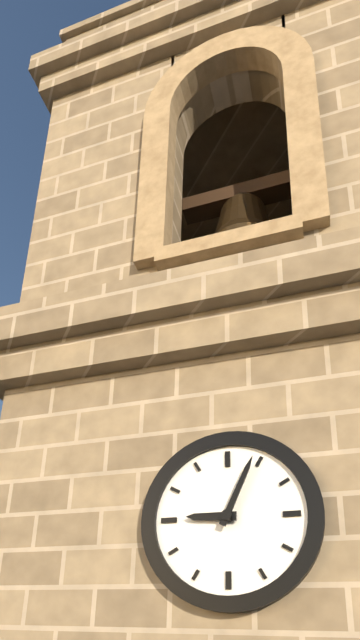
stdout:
{"hour": 9, "minute": 4}
